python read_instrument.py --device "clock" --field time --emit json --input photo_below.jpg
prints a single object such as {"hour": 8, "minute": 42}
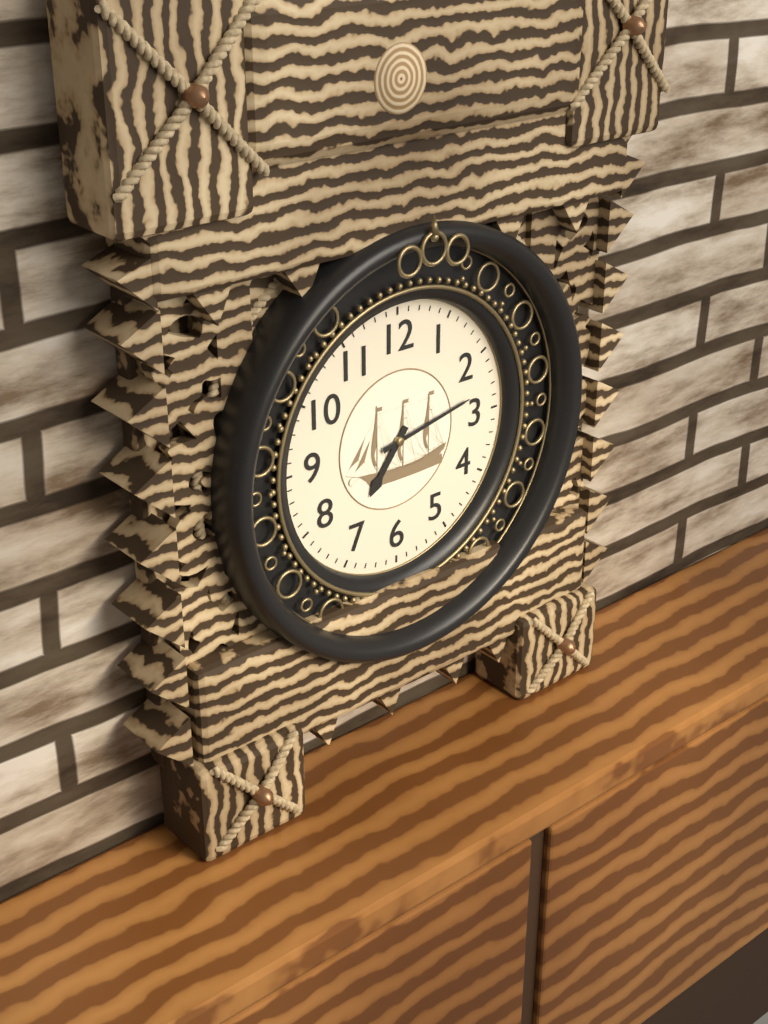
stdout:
{"hour": 7, "minute": 13}
